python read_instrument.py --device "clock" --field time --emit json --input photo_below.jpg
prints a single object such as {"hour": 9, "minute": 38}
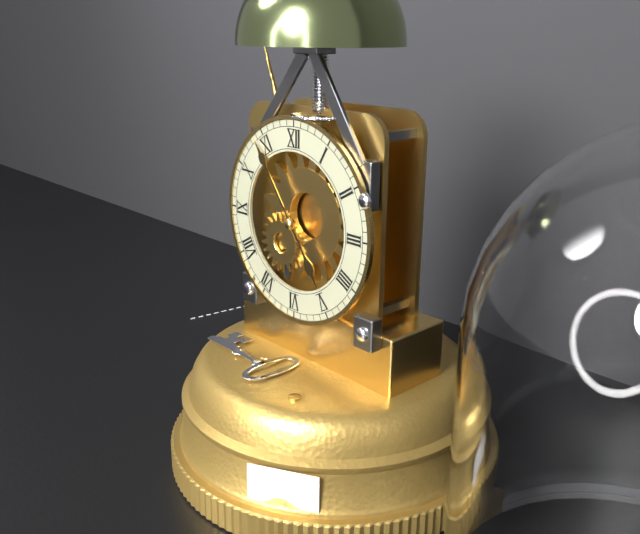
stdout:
{"hour": 4, "minute": 54}
